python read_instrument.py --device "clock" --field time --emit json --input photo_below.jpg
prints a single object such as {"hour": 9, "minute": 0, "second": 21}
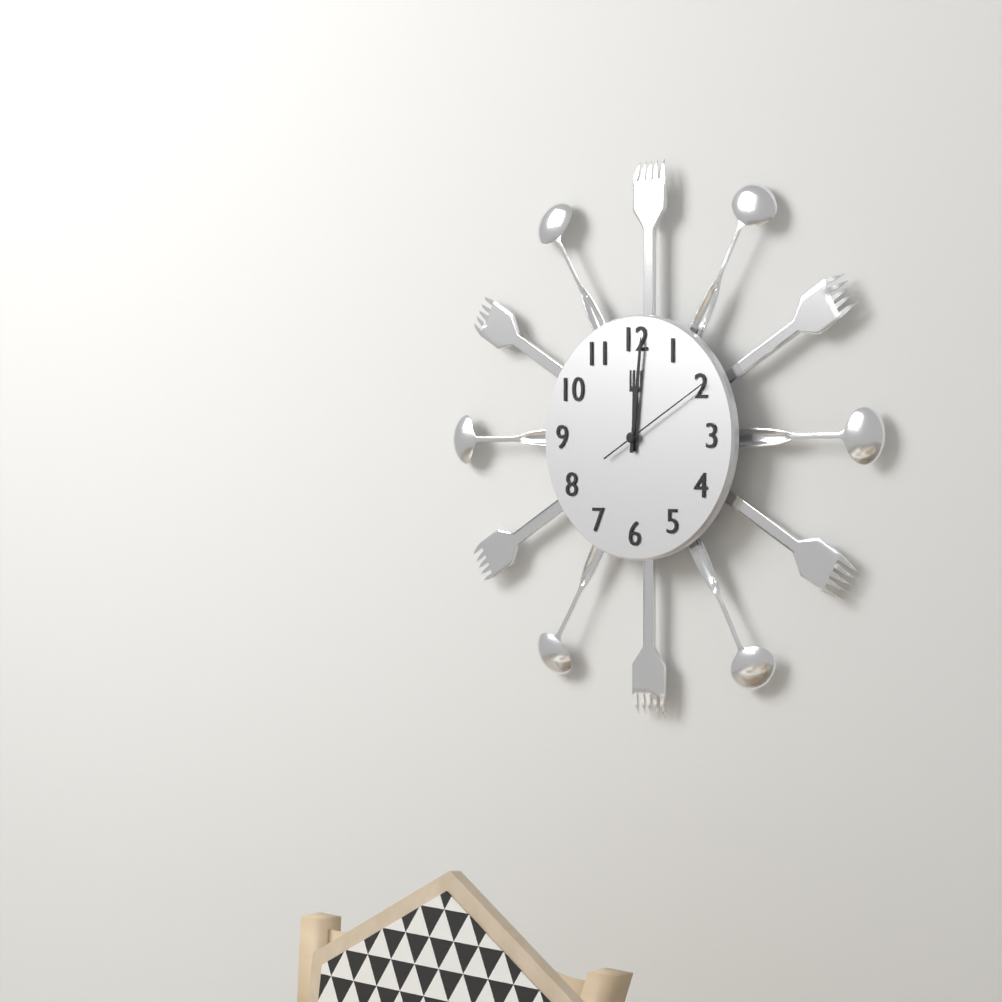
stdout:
{"hour": 12, "minute": 1, "second": 10}
